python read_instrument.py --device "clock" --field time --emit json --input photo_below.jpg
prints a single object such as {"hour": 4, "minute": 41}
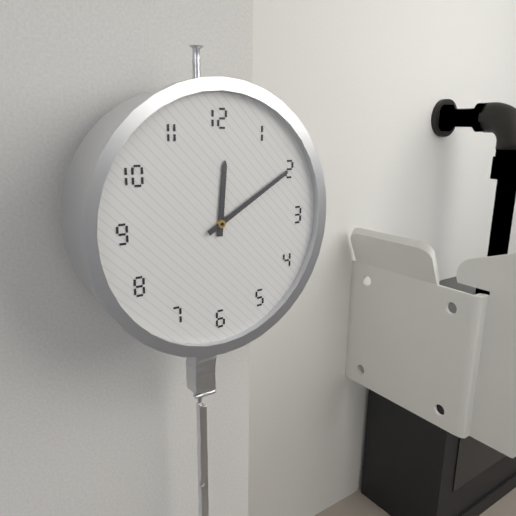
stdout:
{"hour": 12, "minute": 10}
